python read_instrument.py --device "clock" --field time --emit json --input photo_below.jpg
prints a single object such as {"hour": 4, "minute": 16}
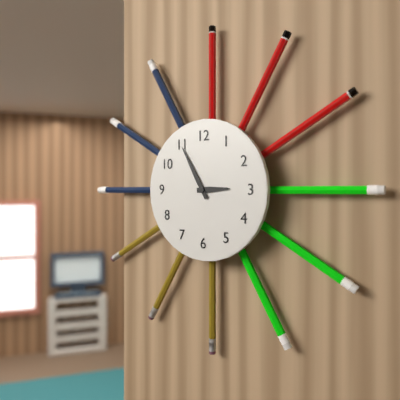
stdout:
{"hour": 2, "minute": 55}
